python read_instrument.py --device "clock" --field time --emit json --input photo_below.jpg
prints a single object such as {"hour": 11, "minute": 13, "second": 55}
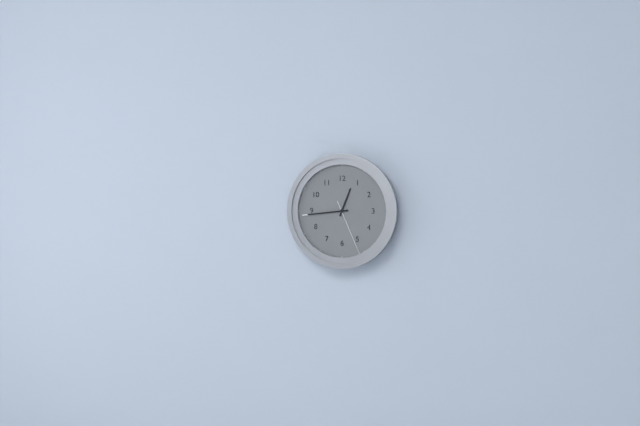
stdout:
{"hour": 12, "minute": 44, "second": 26}
